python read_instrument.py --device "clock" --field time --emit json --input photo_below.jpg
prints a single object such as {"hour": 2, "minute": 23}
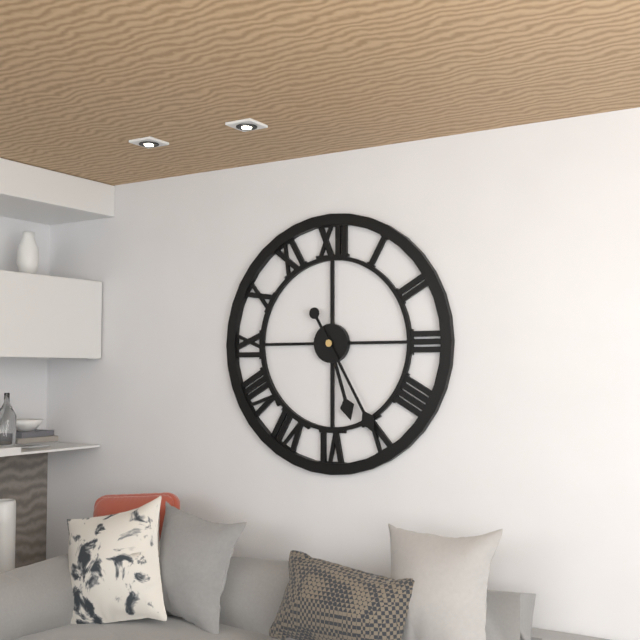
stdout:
{"hour": 5, "minute": 25}
